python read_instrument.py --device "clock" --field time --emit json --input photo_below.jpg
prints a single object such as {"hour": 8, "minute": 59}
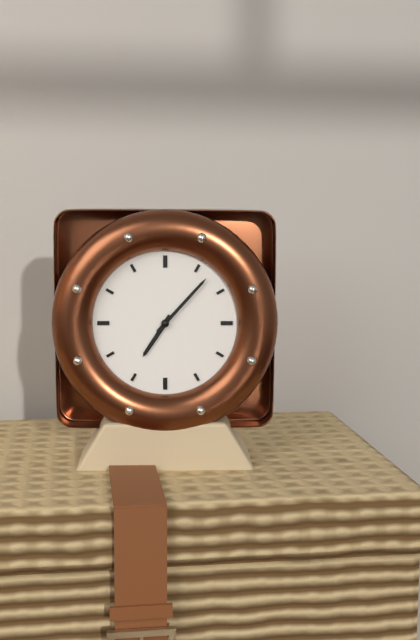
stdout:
{"hour": 7, "minute": 7}
